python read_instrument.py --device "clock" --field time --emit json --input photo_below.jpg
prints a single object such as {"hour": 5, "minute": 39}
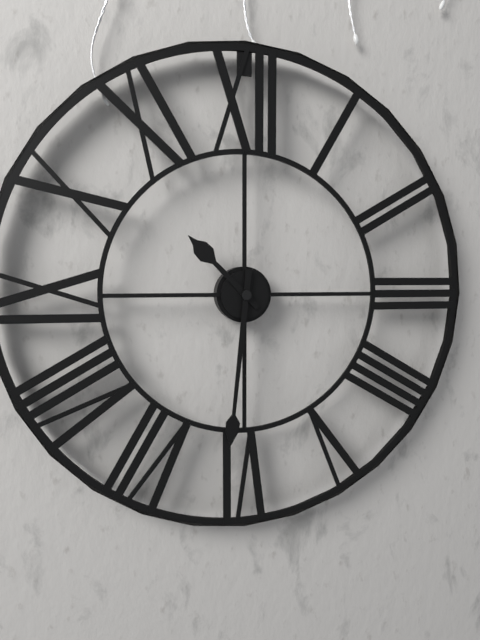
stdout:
{"hour": 10, "minute": 31}
